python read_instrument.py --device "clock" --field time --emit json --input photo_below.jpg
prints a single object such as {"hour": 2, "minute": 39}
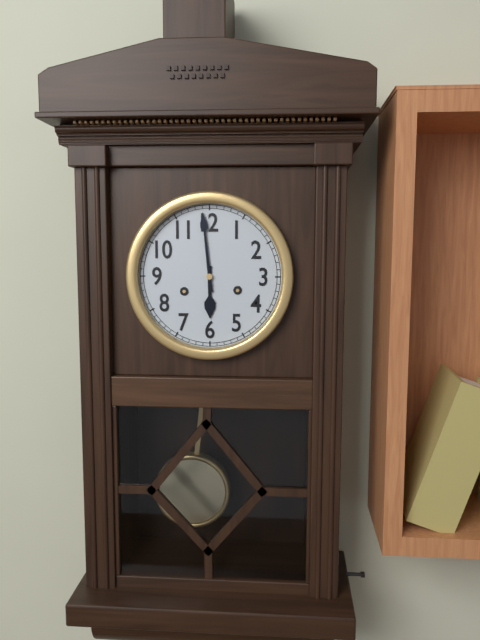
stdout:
{"hour": 5, "minute": 59}
